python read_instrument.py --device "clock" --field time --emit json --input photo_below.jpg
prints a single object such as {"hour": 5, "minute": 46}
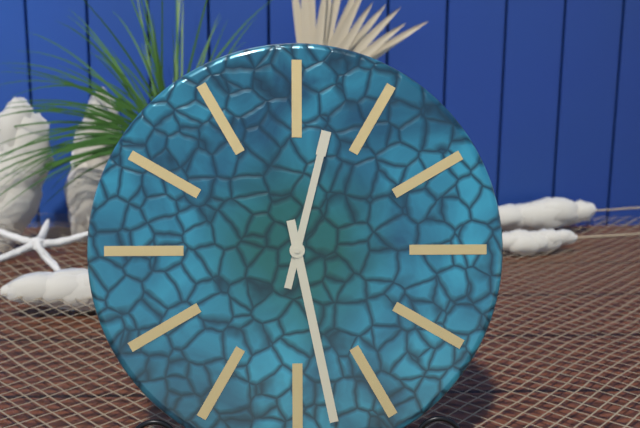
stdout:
{"hour": 12, "minute": 28}
